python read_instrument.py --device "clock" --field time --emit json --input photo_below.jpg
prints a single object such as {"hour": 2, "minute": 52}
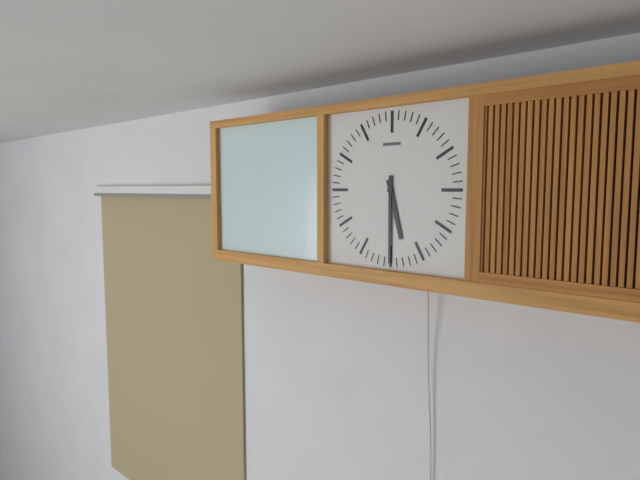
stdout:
{"hour": 5, "minute": 30}
